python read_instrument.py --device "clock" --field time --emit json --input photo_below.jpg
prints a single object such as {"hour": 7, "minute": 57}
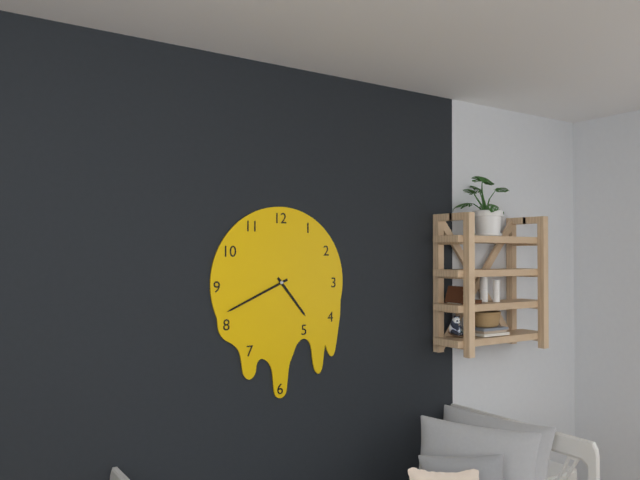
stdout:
{"hour": 4, "minute": 41}
